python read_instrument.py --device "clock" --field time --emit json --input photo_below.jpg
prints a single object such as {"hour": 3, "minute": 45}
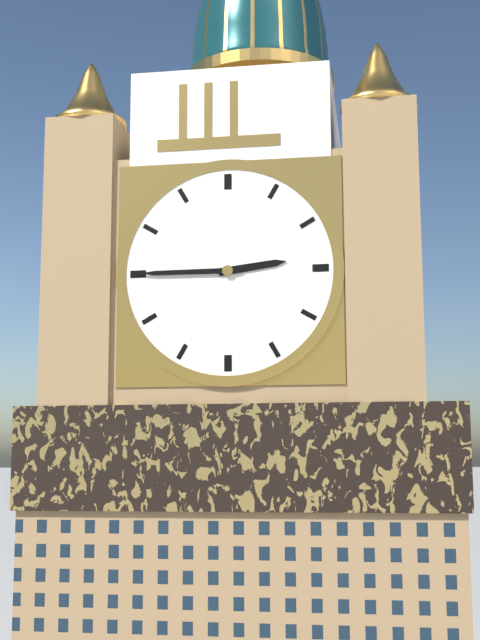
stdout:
{"hour": 2, "minute": 45}
